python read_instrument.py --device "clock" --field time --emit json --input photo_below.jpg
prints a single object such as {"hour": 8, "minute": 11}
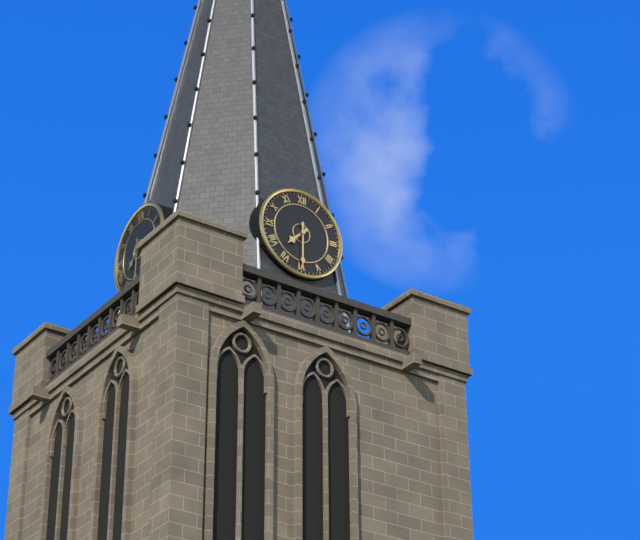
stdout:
{"hour": 7, "minute": 30}
